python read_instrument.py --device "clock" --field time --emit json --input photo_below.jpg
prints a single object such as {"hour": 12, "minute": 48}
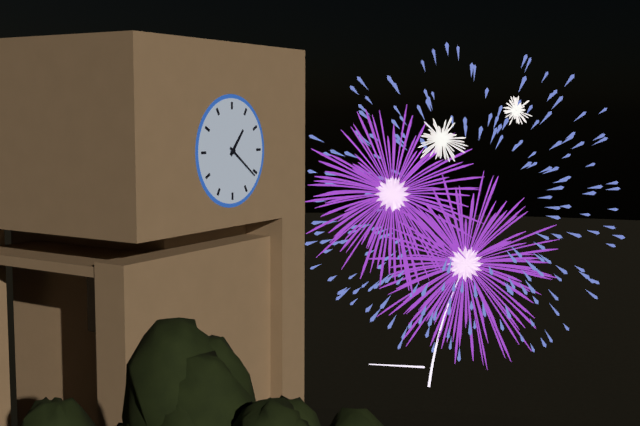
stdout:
{"hour": 1, "minute": 21}
